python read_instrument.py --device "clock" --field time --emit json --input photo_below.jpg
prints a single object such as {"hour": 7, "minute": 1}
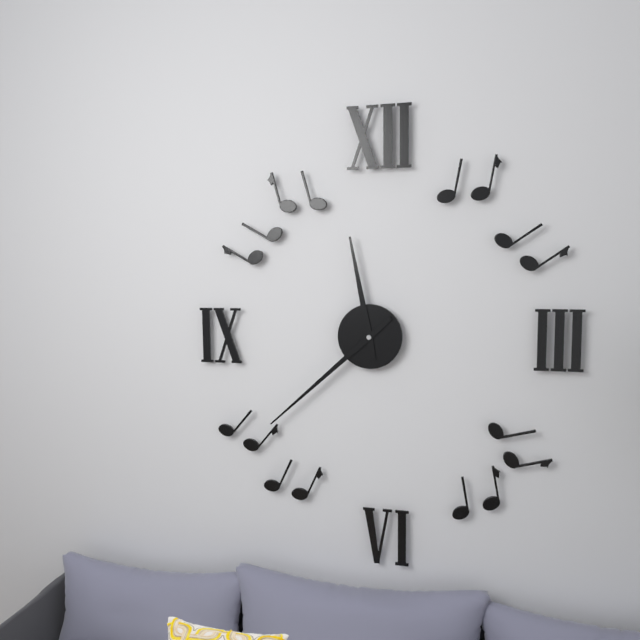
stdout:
{"hour": 11, "minute": 38}
